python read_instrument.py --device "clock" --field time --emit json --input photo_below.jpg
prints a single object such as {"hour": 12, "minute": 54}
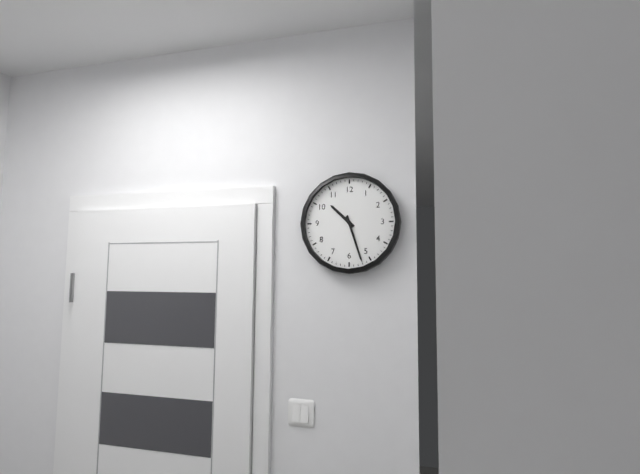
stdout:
{"hour": 10, "minute": 27}
